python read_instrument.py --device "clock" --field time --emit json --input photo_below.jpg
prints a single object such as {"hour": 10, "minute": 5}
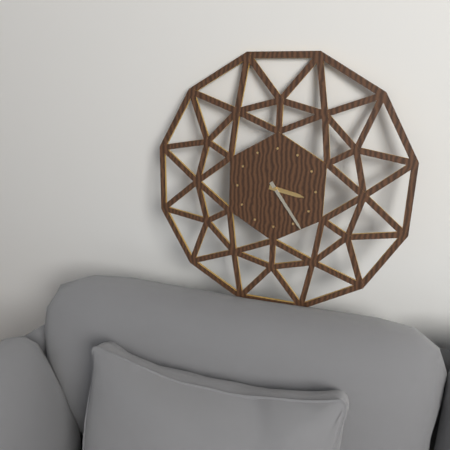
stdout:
{"hour": 3, "minute": 24}
